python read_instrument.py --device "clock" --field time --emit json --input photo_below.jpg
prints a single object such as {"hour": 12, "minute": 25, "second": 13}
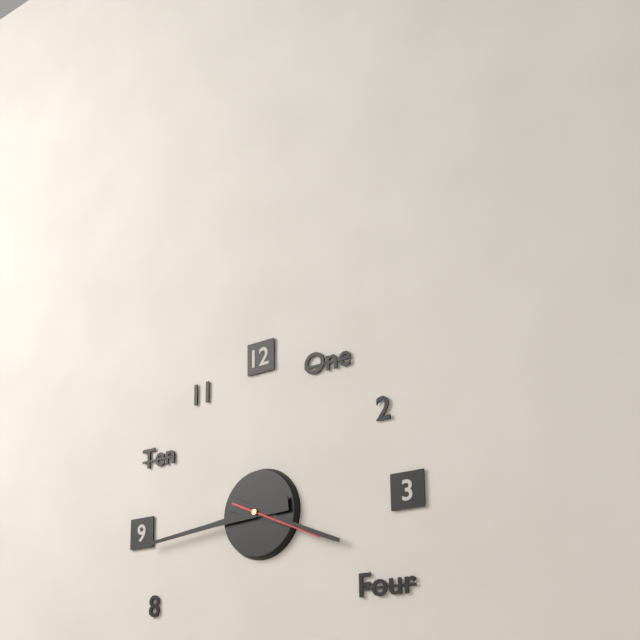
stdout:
{"hour": 3, "minute": 44, "second": 19}
